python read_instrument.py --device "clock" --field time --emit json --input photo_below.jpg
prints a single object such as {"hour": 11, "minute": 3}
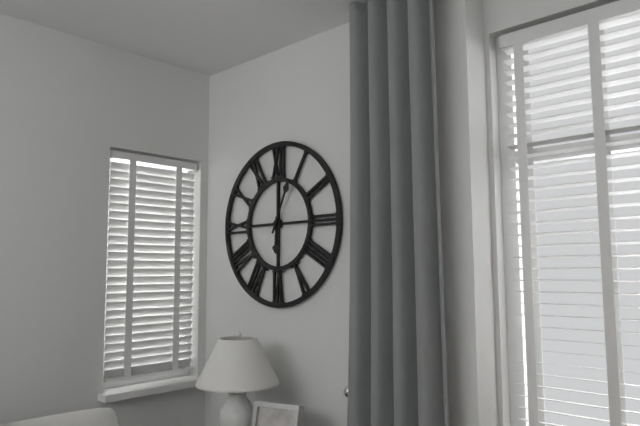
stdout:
{"hour": 6, "minute": 4}
